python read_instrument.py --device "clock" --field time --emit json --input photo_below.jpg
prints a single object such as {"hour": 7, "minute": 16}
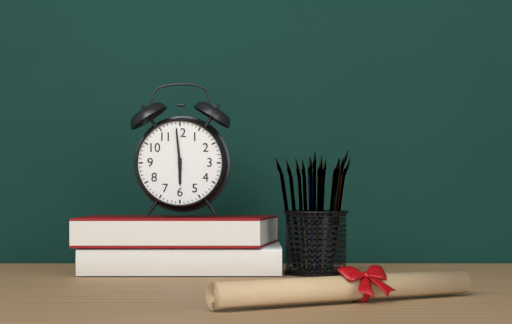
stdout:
{"hour": 5, "minute": 59}
